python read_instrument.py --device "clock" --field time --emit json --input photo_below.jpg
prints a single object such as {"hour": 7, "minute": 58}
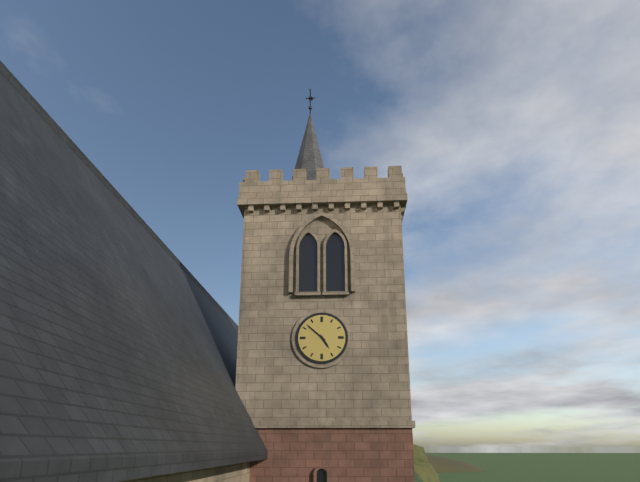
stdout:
{"hour": 4, "minute": 52}
